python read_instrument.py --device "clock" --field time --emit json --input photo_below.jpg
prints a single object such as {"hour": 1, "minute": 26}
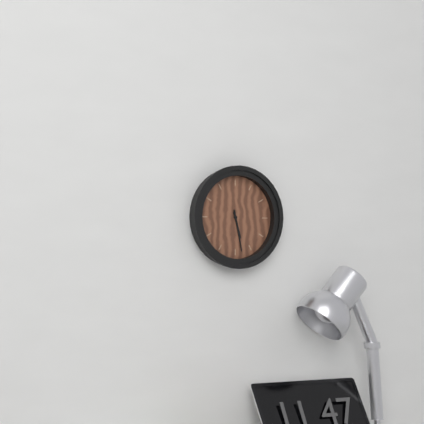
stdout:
{"hour": 5, "minute": 28}
